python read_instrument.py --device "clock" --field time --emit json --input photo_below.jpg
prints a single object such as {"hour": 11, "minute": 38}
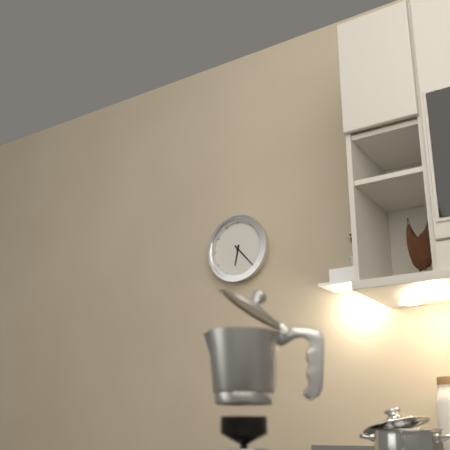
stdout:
{"hour": 6, "minute": 23}
